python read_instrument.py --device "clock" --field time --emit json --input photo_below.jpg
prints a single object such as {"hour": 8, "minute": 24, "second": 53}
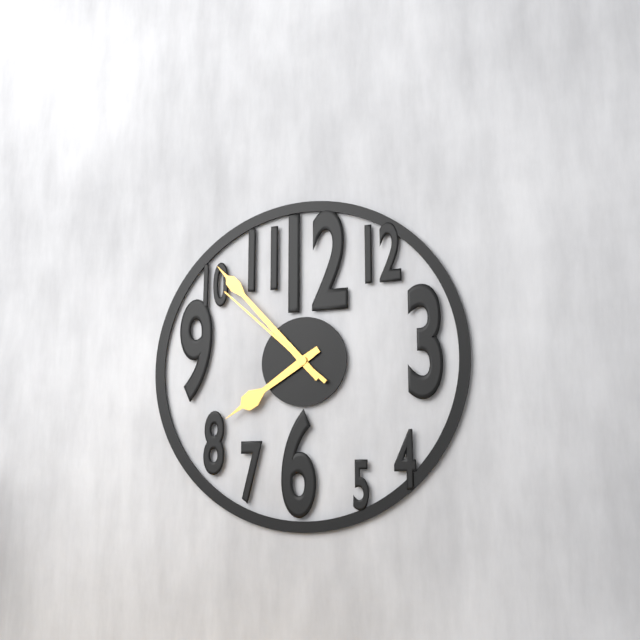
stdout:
{"hour": 7, "minute": 53, "second": 52}
